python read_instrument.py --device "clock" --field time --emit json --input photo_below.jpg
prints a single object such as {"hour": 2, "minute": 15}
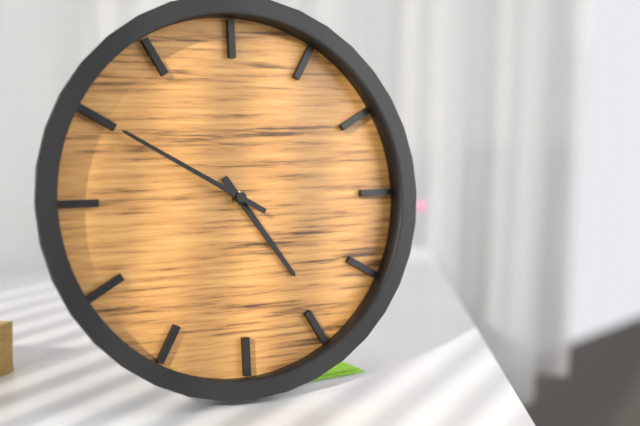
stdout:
{"hour": 4, "minute": 50}
